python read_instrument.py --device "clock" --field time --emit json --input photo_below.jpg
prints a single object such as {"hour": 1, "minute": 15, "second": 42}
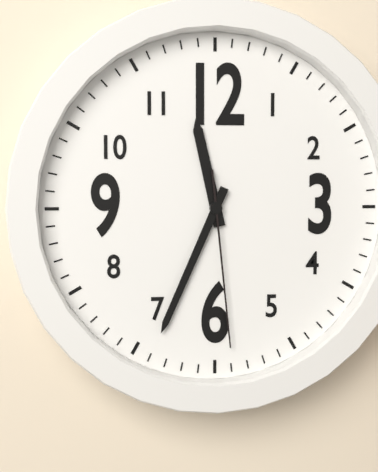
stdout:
{"hour": 11, "minute": 34, "second": 29}
